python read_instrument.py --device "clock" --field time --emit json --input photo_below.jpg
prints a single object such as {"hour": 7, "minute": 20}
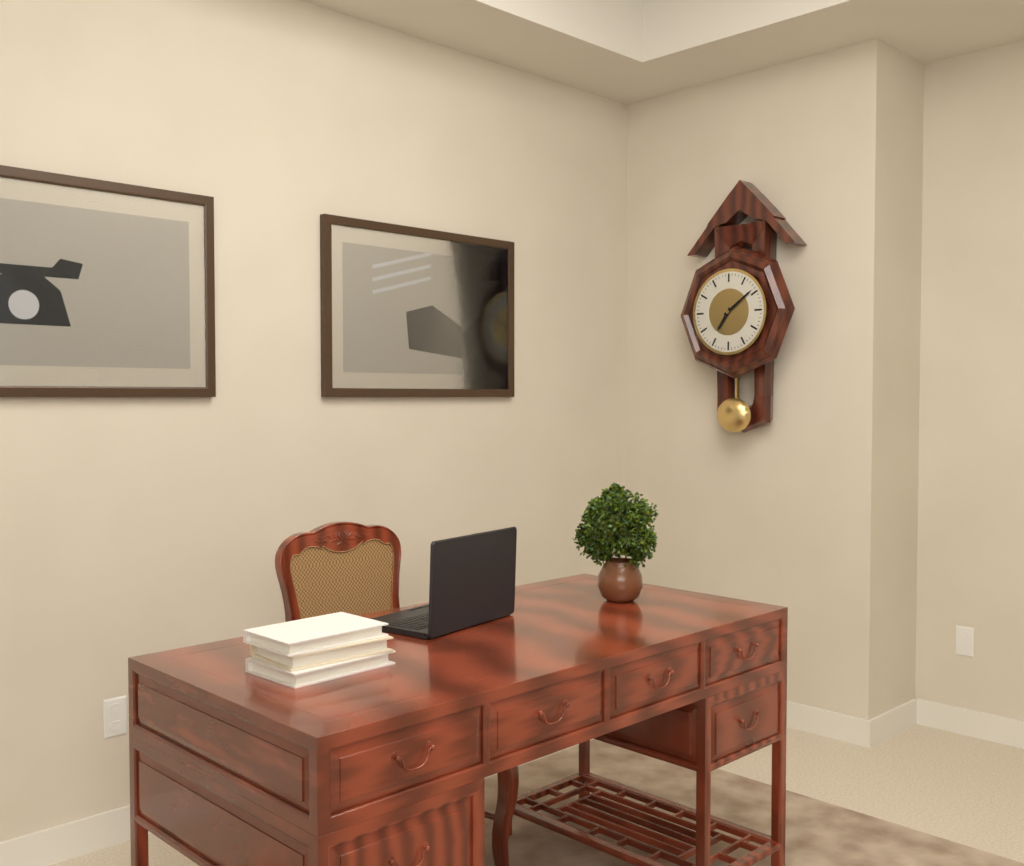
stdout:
{"hour": 7, "minute": 9}
